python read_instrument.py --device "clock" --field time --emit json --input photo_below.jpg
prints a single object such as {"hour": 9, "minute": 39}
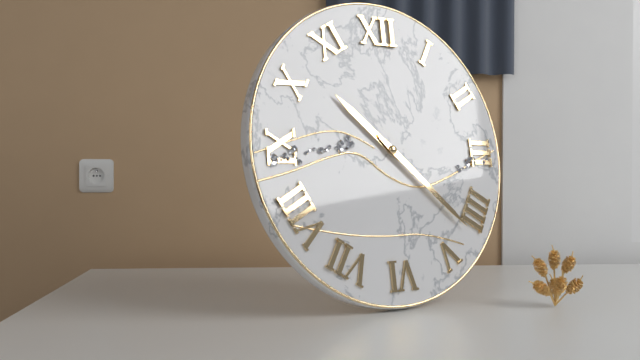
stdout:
{"hour": 10, "minute": 22}
